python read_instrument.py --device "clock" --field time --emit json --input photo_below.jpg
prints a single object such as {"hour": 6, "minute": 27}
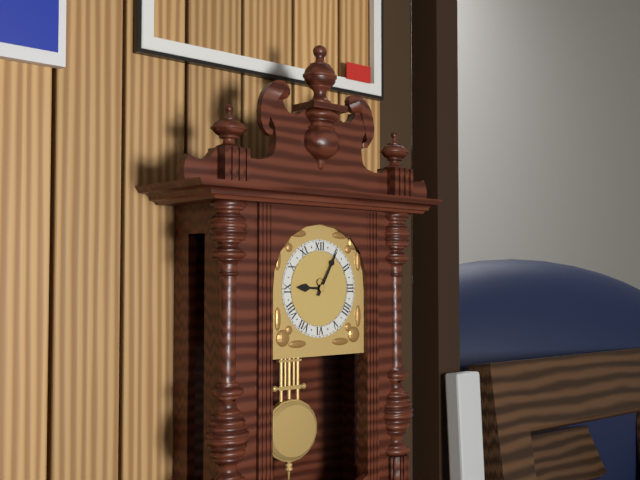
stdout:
{"hour": 9, "minute": 5}
